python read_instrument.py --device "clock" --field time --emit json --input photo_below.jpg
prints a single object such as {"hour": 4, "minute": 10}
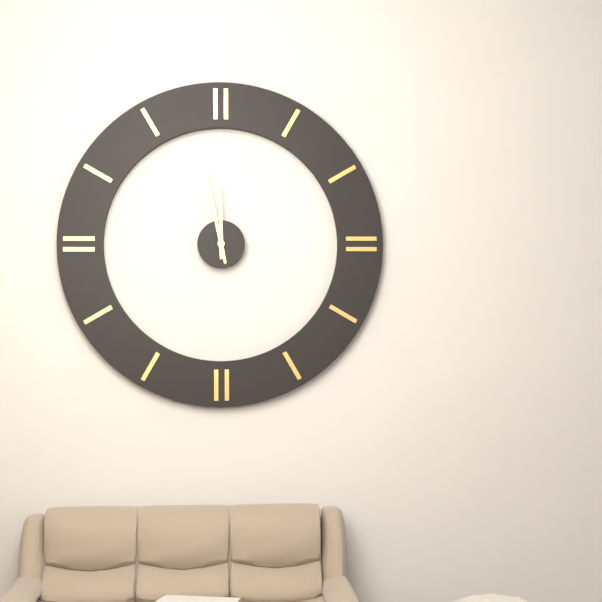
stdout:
{"hour": 11, "minute": 58}
